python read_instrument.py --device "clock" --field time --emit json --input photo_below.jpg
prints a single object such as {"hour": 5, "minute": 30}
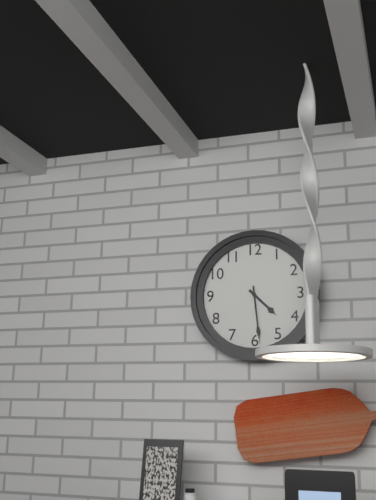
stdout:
{"hour": 4, "minute": 29}
